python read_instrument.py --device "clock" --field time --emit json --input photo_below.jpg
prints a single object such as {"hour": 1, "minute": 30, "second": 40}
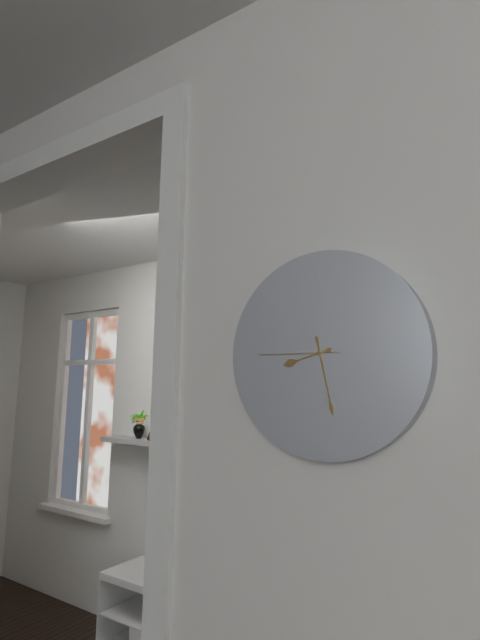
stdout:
{"hour": 8, "minute": 28, "second": 45}
